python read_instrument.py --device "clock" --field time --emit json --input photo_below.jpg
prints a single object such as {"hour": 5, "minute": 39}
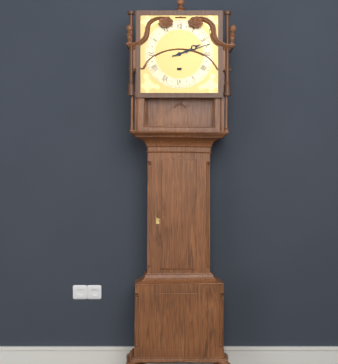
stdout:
{"hour": 2, "minute": 12}
